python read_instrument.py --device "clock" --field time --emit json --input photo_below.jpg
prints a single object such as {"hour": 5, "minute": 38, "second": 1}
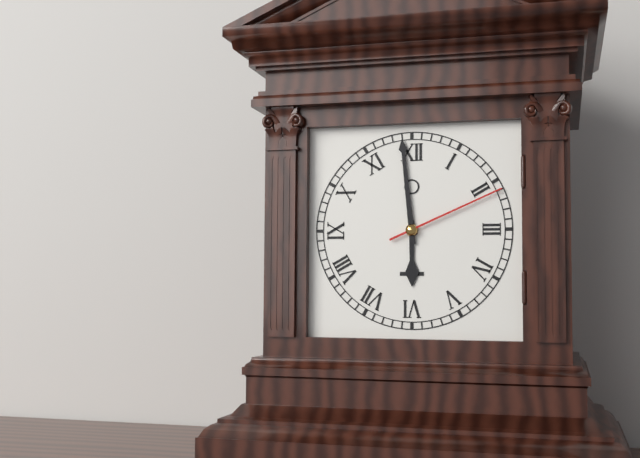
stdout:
{"hour": 5, "minute": 59, "second": 11}
